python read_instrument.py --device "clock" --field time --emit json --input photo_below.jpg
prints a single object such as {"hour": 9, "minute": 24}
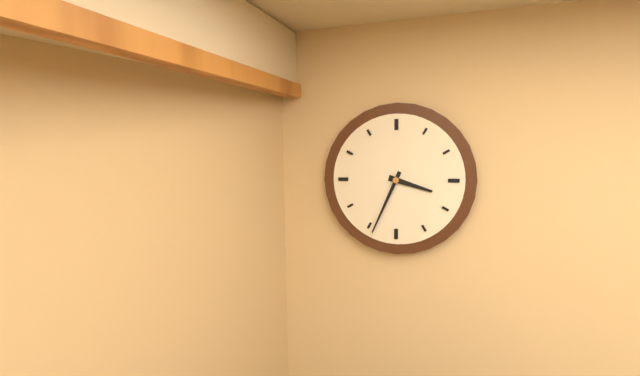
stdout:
{"hour": 3, "minute": 34}
